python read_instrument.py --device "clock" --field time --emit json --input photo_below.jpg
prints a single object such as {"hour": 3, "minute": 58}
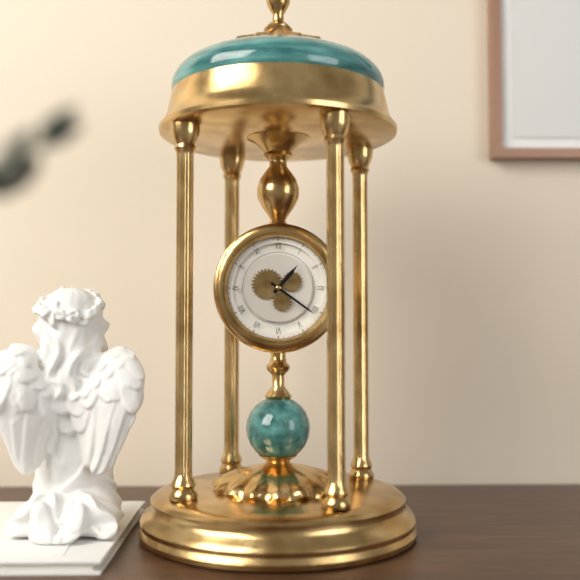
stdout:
{"hour": 1, "minute": 21}
